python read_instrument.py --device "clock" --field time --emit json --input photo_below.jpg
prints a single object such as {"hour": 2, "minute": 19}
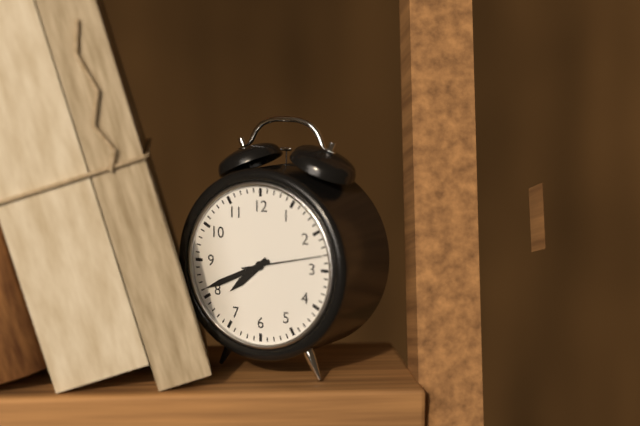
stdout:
{"hour": 7, "minute": 41}
